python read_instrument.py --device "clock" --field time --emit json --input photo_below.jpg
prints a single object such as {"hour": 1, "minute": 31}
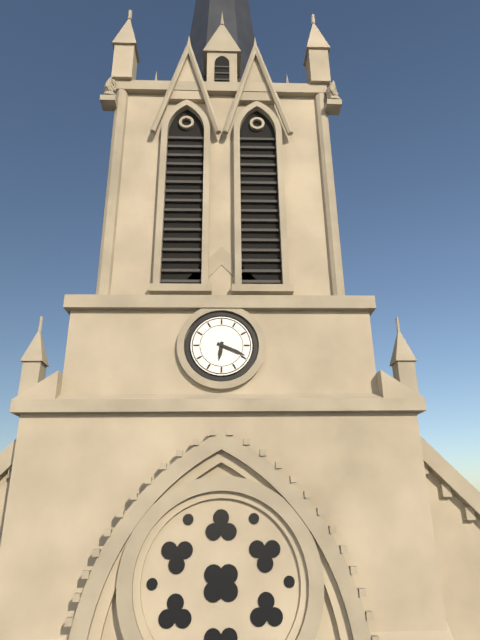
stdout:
{"hour": 6, "minute": 19}
